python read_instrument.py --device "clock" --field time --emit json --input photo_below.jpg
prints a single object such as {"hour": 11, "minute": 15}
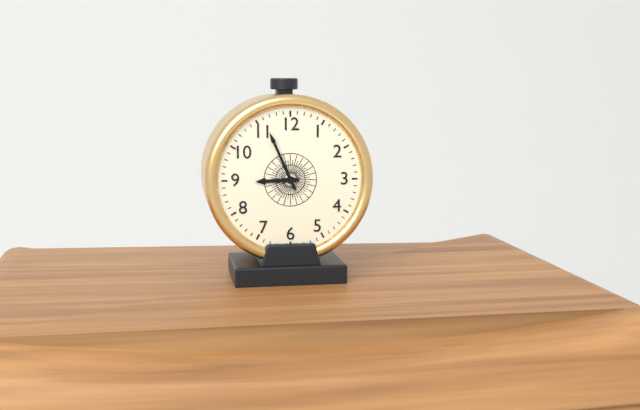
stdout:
{"hour": 8, "minute": 56}
